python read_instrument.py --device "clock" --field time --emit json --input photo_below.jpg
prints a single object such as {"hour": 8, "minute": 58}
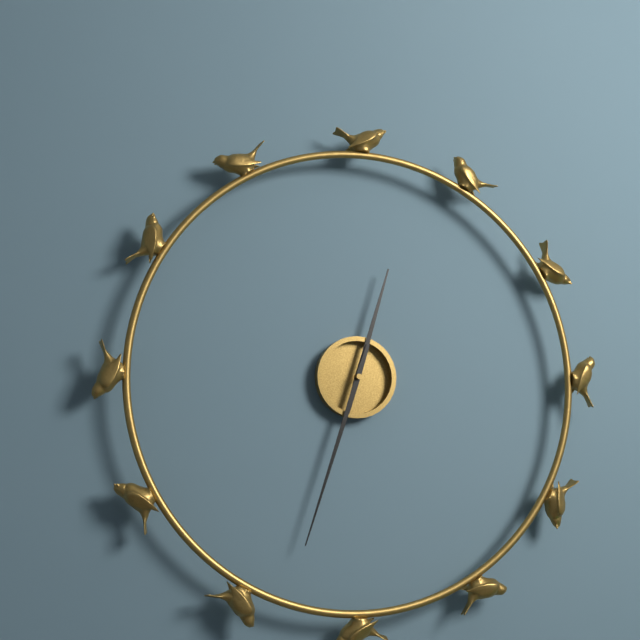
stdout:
{"hour": 12, "minute": 33}
